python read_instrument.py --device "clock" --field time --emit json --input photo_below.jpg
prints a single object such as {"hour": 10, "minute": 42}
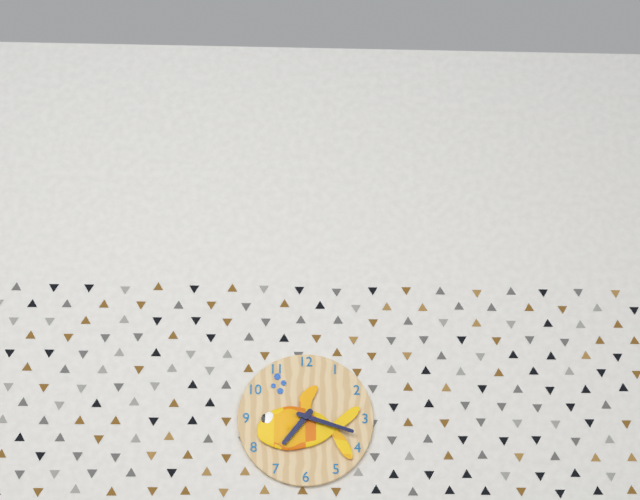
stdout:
{"hour": 7, "minute": 18}
